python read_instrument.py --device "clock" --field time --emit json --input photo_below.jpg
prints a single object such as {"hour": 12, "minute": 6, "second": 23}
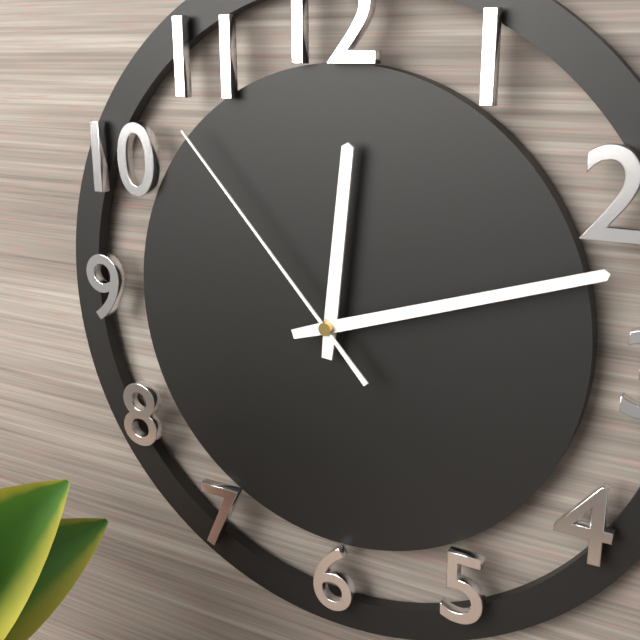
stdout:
{"hour": 12, "minute": 12, "second": 53}
